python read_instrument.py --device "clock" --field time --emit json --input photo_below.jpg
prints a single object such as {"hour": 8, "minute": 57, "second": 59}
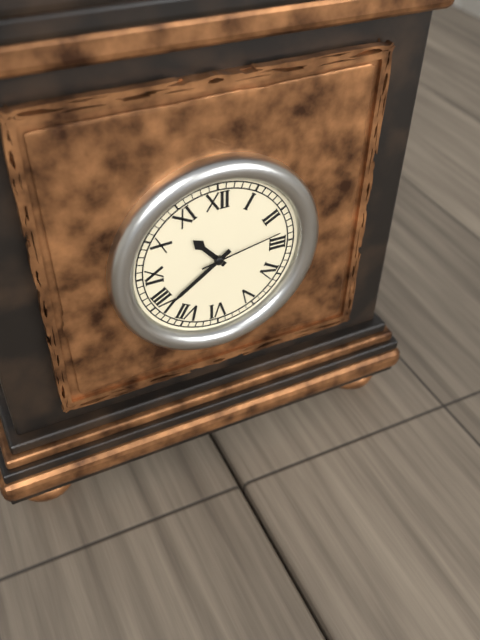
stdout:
{"hour": 10, "minute": 39, "second": 13}
